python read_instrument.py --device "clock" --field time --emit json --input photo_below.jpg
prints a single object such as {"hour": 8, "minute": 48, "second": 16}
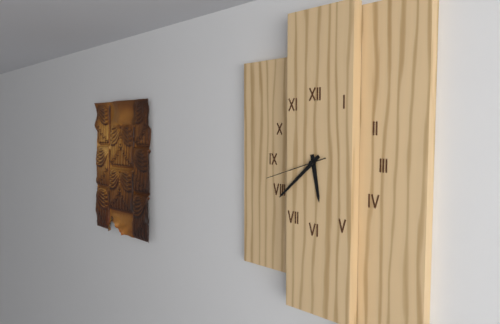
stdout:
{"hour": 5, "minute": 38, "second": 42}
